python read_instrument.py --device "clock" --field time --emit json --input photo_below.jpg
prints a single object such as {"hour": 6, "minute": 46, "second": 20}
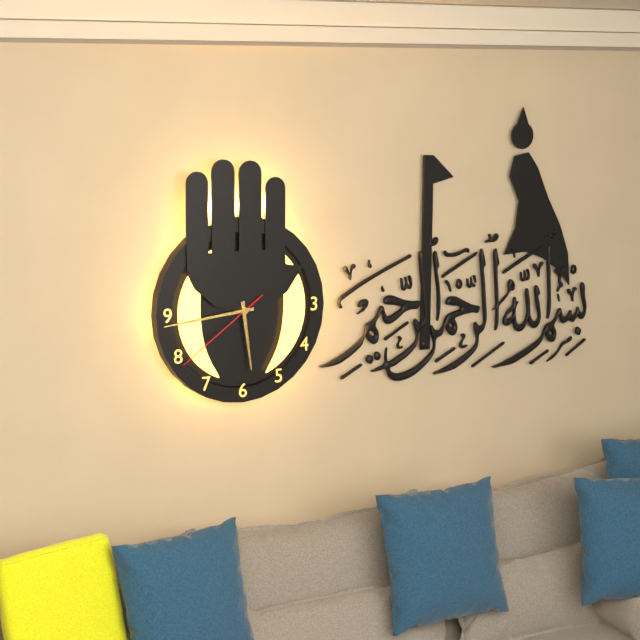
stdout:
{"hour": 5, "minute": 44, "second": 39}
